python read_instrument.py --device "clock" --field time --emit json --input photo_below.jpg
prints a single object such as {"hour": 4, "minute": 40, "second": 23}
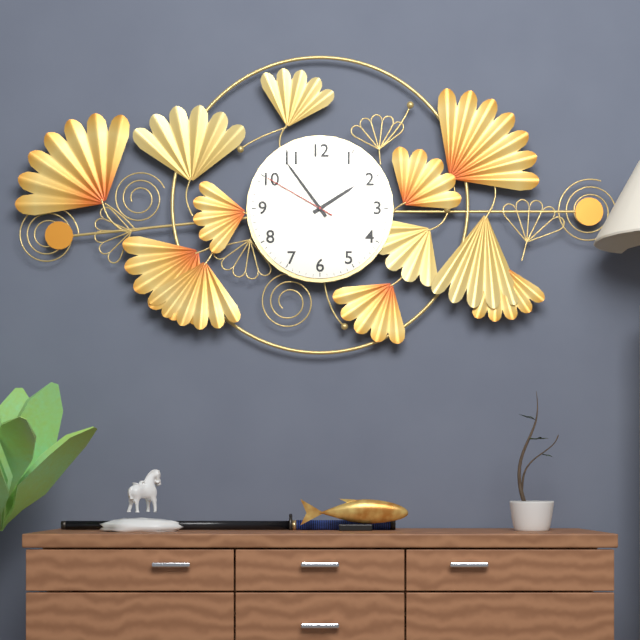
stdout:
{"hour": 1, "minute": 54, "second": 50}
